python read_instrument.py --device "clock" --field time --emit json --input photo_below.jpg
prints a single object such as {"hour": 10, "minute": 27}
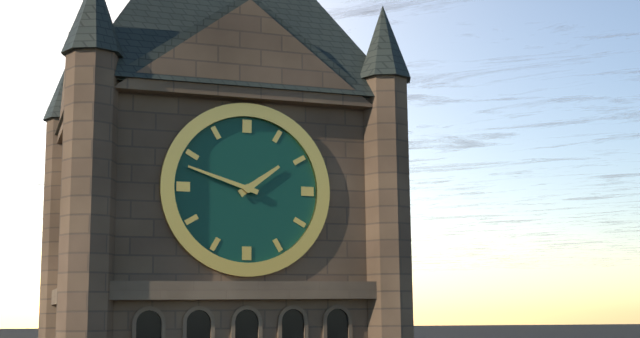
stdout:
{"hour": 1, "minute": 48}
